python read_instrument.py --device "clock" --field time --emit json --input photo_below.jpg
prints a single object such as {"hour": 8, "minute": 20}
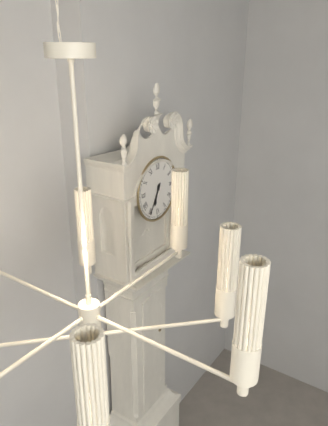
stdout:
{"hour": 6, "minute": 35}
